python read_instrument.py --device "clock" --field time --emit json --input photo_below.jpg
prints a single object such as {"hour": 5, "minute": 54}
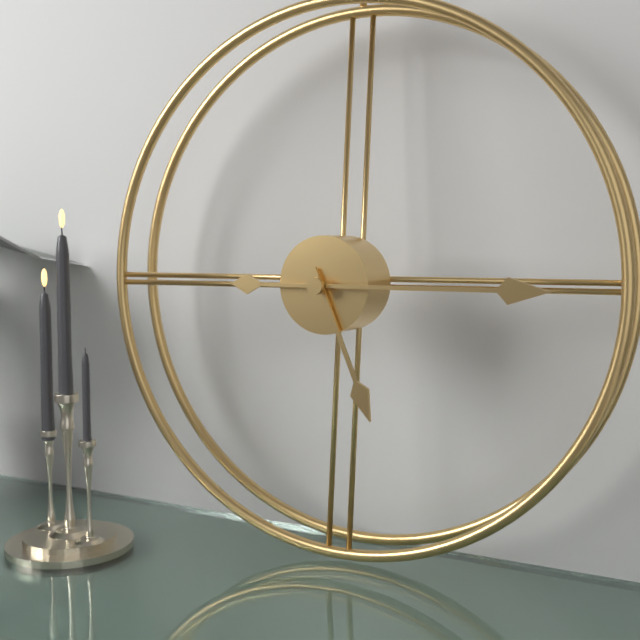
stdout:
{"hour": 5, "minute": 15}
